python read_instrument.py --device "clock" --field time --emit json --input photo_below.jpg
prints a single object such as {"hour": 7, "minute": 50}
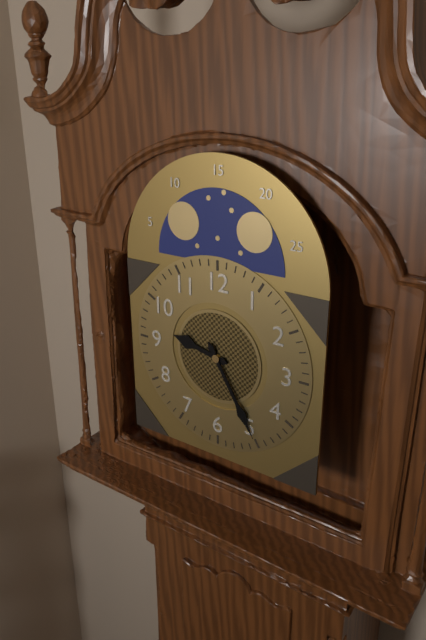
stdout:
{"hour": 9, "minute": 25}
